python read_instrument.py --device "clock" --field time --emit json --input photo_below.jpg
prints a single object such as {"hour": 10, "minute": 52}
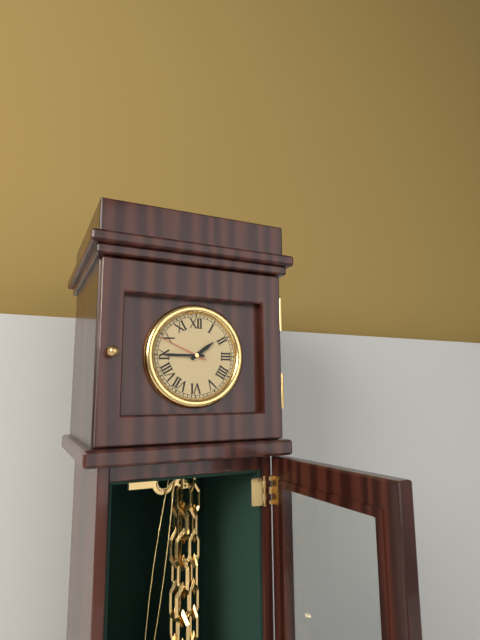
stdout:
{"hour": 1, "minute": 45}
